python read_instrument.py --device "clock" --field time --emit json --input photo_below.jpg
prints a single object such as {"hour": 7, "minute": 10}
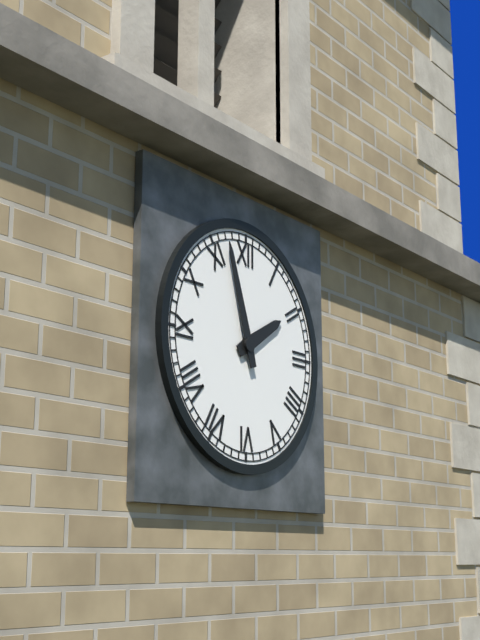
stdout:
{"hour": 1, "minute": 57}
